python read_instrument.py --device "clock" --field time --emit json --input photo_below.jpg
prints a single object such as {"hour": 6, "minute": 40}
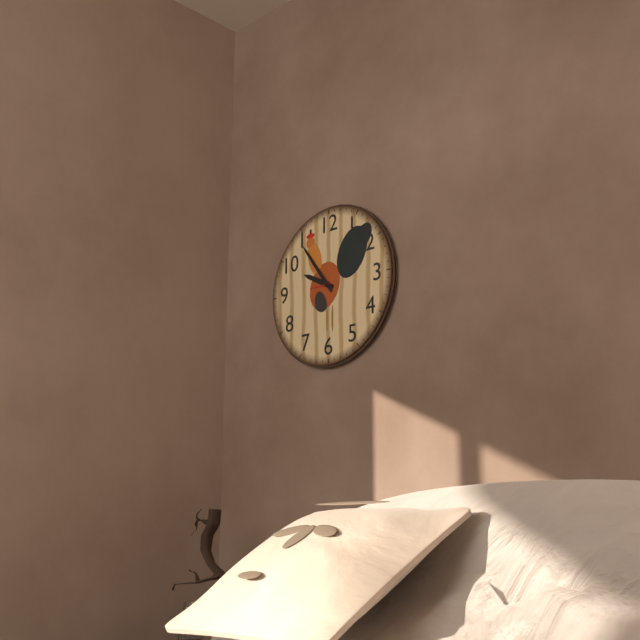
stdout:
{"hour": 9, "minute": 54}
